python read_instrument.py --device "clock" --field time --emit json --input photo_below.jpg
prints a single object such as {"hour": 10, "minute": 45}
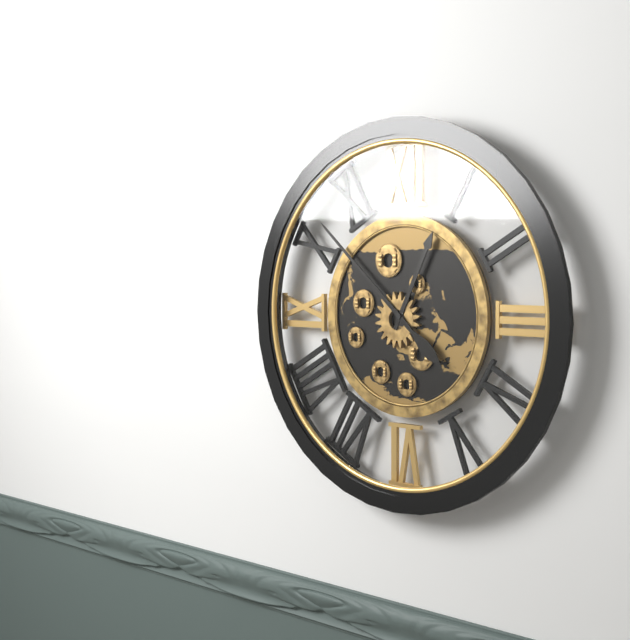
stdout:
{"hour": 12, "minute": 52}
